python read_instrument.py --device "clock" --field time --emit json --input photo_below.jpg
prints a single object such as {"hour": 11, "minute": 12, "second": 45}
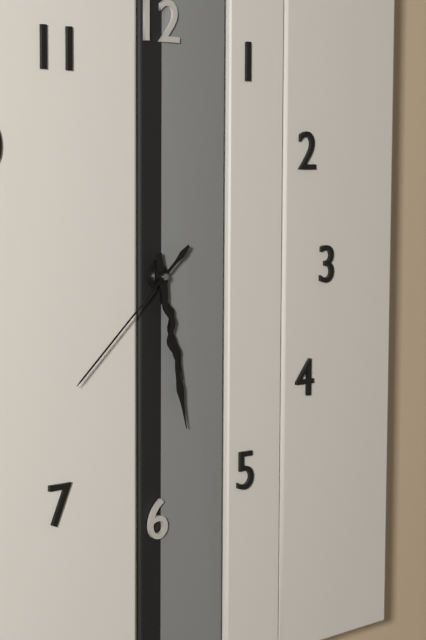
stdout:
{"hour": 5, "minute": 28, "second": 38}
